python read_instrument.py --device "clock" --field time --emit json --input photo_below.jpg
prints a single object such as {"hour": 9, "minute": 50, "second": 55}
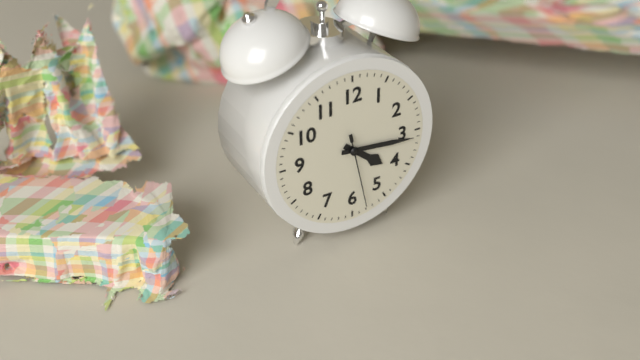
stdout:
{"hour": 4, "minute": 16, "second": 28}
